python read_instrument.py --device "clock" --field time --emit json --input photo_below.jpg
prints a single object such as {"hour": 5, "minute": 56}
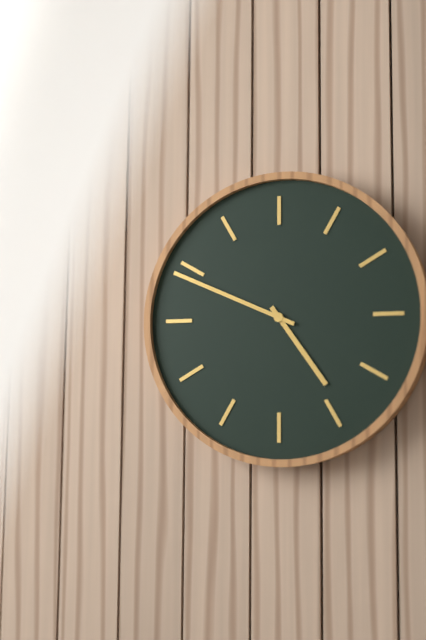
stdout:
{"hour": 4, "minute": 49}
